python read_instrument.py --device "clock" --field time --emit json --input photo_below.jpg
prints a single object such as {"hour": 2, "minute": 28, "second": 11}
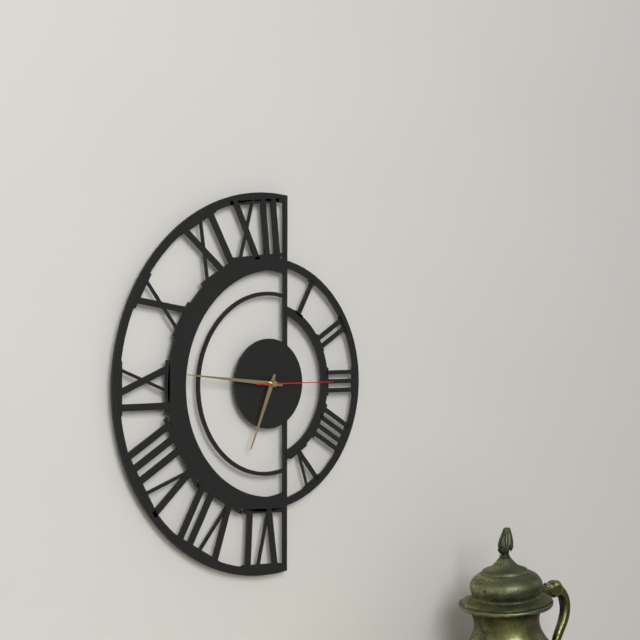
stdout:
{"hour": 6, "minute": 46, "second": 15}
